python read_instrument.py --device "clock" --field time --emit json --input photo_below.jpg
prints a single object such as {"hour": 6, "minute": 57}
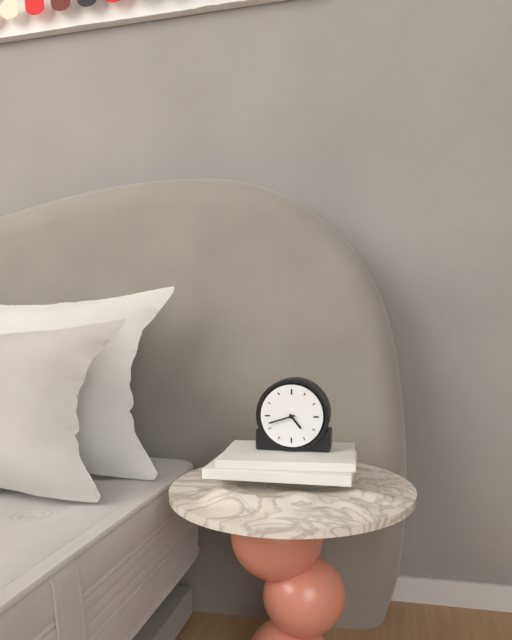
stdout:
{"hour": 4, "minute": 42}
